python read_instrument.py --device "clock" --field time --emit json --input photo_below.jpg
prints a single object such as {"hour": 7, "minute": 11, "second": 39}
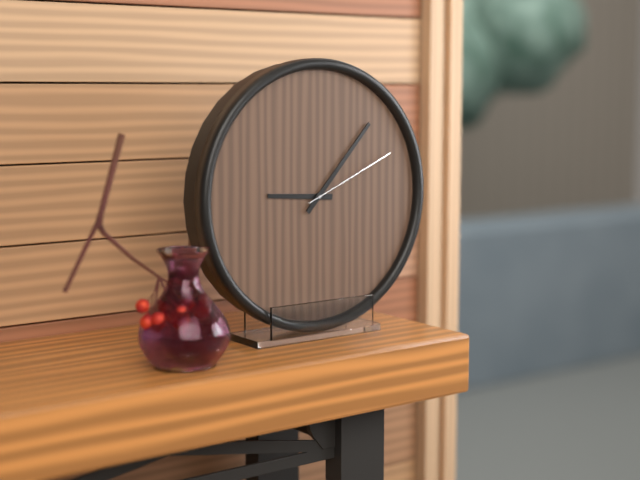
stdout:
{"hour": 9, "minute": 7, "second": 11}
